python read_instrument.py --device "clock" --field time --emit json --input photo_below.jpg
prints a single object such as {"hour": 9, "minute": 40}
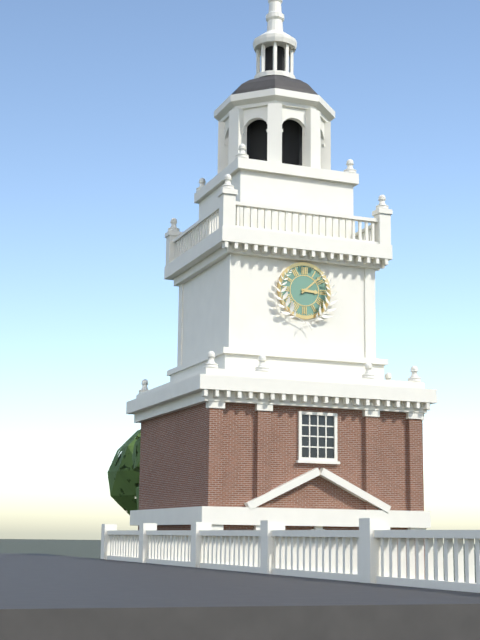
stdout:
{"hour": 3, "minute": 8}
